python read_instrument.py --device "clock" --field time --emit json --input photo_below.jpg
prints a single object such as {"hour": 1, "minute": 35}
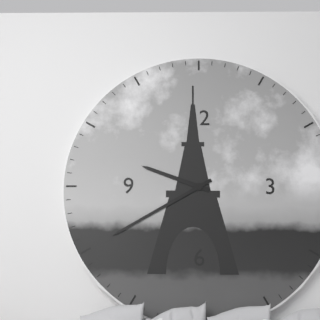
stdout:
{"hour": 9, "minute": 40}
